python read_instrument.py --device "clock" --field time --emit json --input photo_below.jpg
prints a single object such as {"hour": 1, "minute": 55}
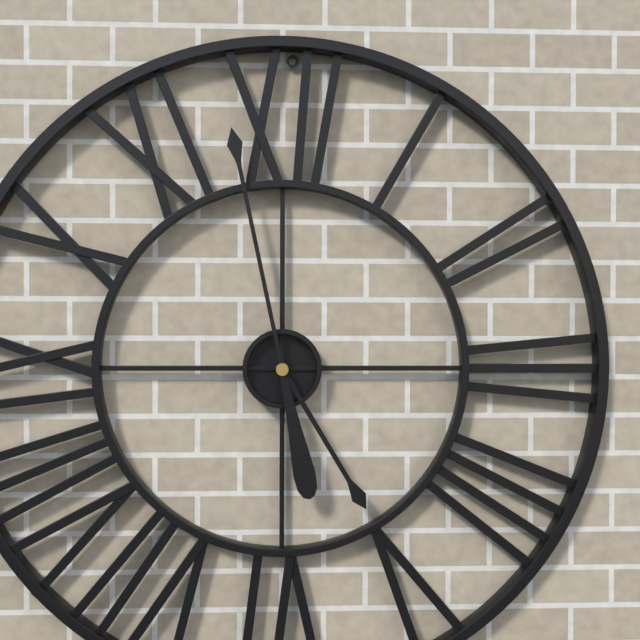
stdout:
{"hour": 4, "minute": 58}
